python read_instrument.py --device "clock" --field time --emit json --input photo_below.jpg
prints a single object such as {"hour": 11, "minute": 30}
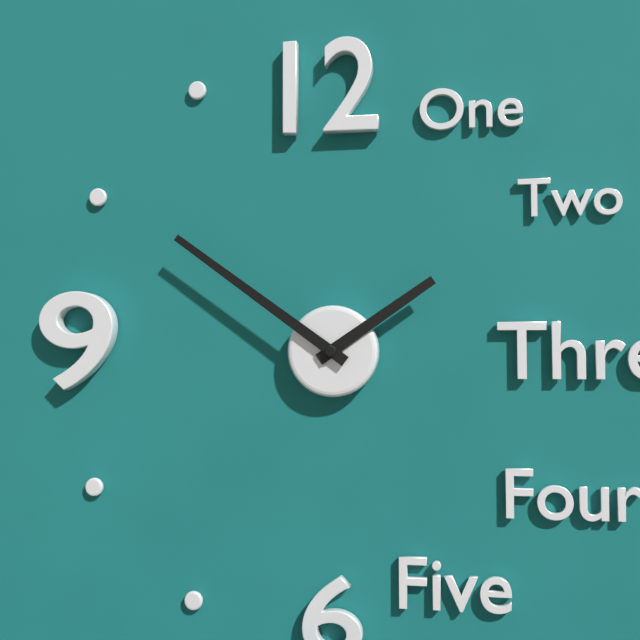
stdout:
{"hour": 1, "minute": 51}
